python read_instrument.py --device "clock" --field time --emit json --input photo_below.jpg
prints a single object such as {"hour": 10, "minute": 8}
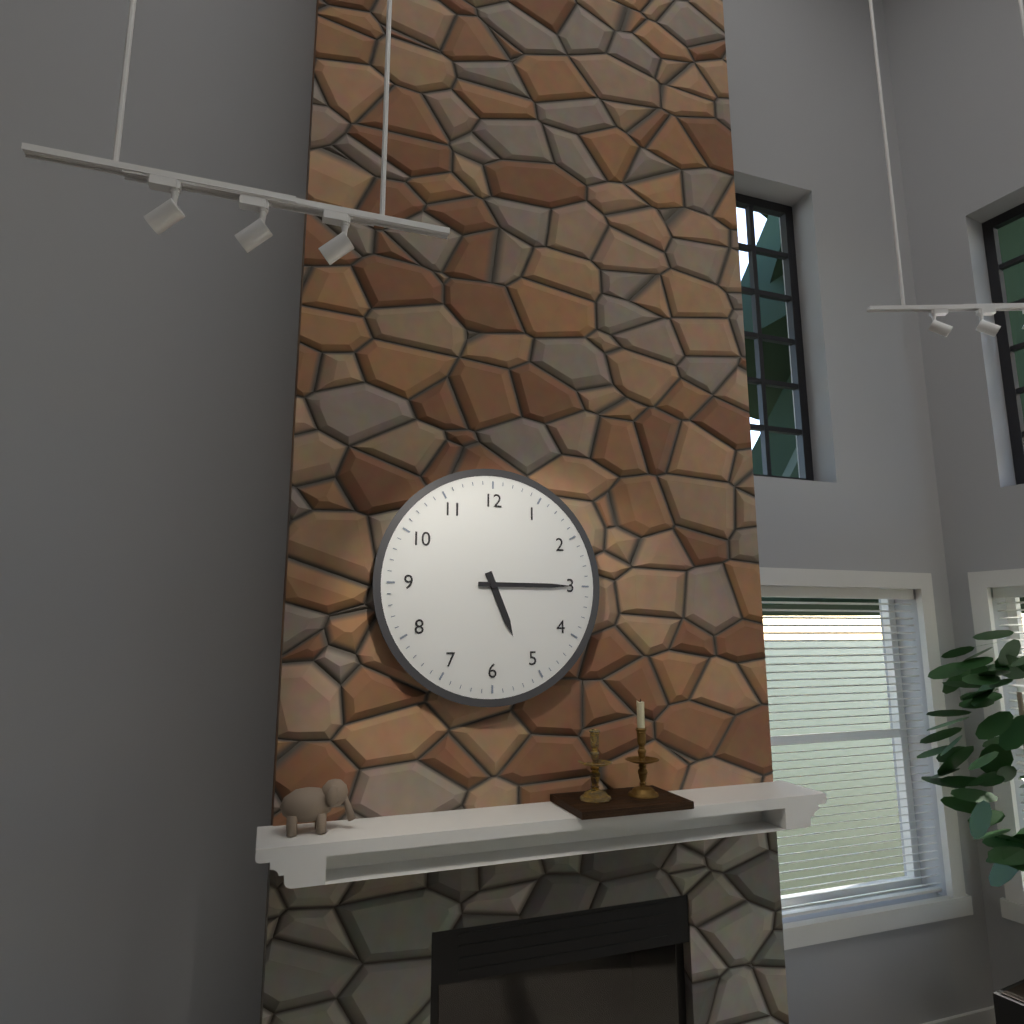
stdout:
{"hour": 5, "minute": 15}
